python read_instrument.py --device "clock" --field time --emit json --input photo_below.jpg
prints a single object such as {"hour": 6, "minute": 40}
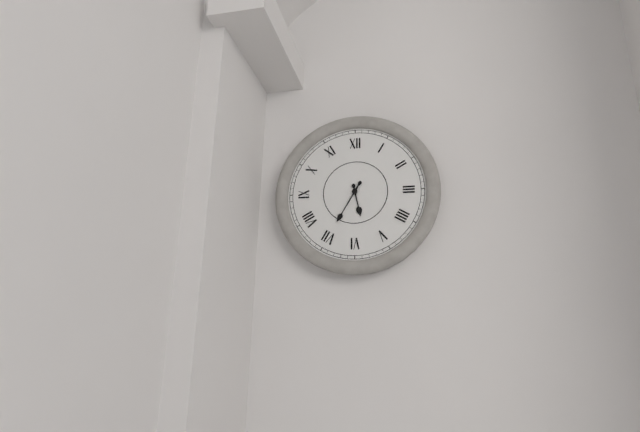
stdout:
{"hour": 5, "minute": 35}
